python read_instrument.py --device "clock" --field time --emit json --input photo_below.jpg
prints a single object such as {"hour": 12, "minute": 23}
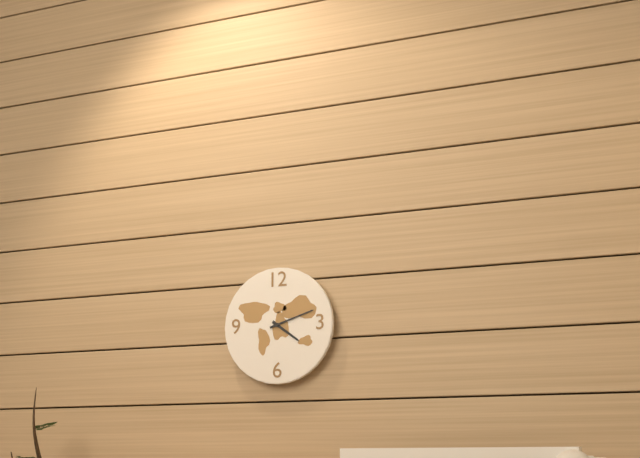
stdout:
{"hour": 4, "minute": 12}
